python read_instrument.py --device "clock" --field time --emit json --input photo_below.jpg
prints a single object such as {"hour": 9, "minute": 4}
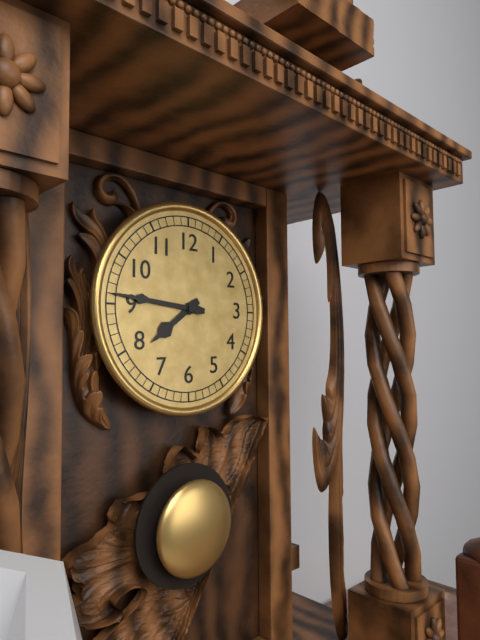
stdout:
{"hour": 7, "minute": 46}
